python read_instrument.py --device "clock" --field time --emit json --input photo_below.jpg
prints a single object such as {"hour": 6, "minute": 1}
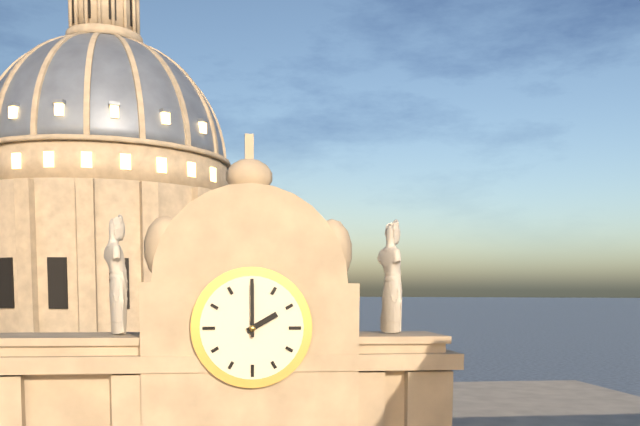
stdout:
{"hour": 2, "minute": 0}
